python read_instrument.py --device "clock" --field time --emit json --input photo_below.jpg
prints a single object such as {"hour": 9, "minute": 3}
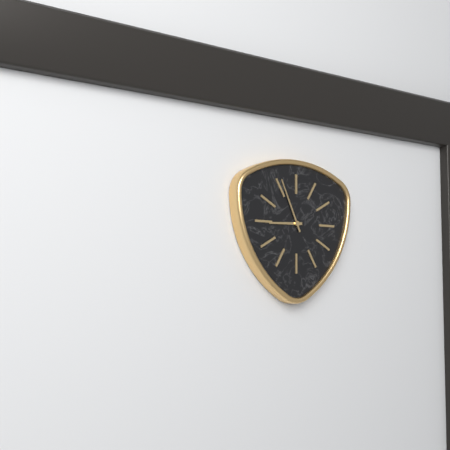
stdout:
{"hour": 8, "minute": 56}
